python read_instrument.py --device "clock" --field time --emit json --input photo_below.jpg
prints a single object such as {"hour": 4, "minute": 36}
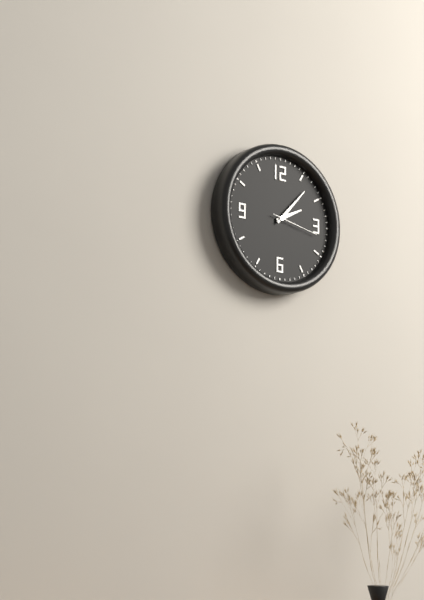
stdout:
{"hour": 2, "minute": 7}
